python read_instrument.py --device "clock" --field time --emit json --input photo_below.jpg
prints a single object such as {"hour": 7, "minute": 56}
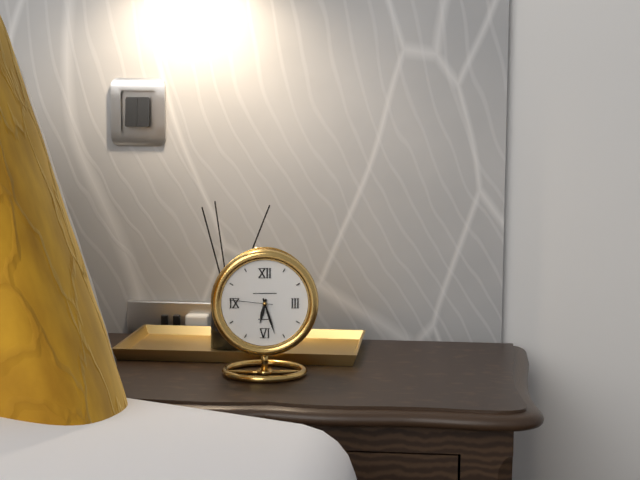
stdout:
{"hour": 6, "minute": 27}
